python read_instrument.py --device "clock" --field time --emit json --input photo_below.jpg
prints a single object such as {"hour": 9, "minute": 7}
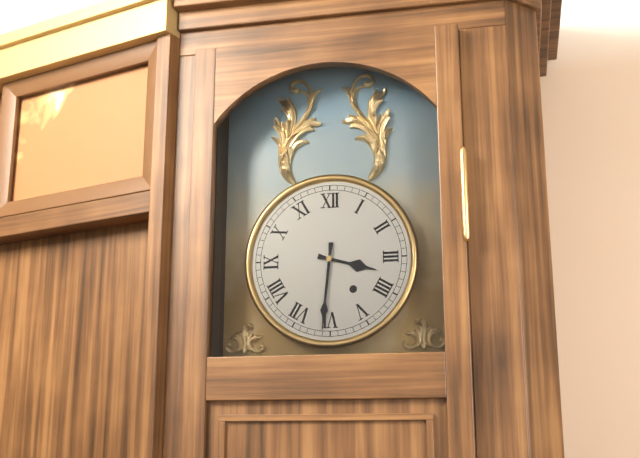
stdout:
{"hour": 3, "minute": 31}
